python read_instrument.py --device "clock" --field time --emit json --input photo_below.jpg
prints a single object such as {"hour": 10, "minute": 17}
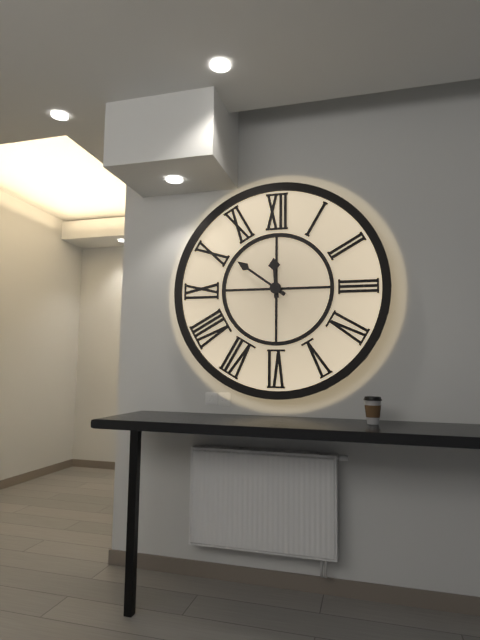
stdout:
{"hour": 11, "minute": 51}
